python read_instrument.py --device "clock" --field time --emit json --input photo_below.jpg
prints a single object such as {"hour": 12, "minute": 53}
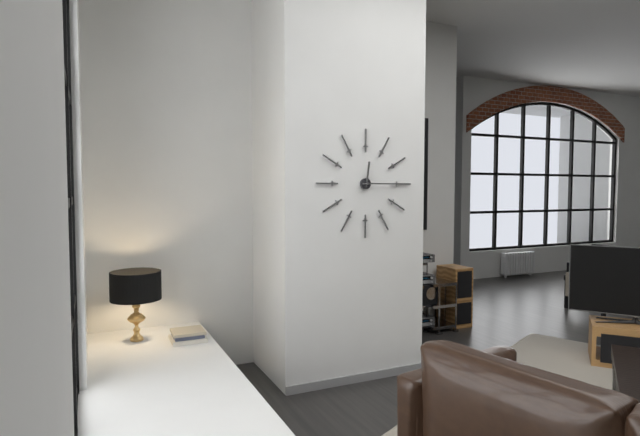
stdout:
{"hour": 12, "minute": 15}
